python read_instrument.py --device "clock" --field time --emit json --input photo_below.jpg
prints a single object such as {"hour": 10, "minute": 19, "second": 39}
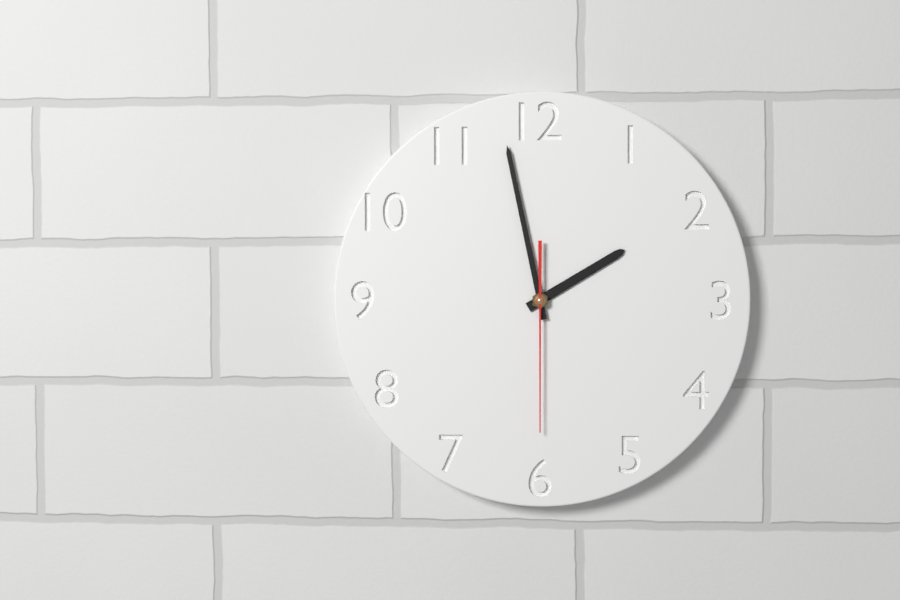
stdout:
{"hour": 1, "minute": 58, "second": 30}
